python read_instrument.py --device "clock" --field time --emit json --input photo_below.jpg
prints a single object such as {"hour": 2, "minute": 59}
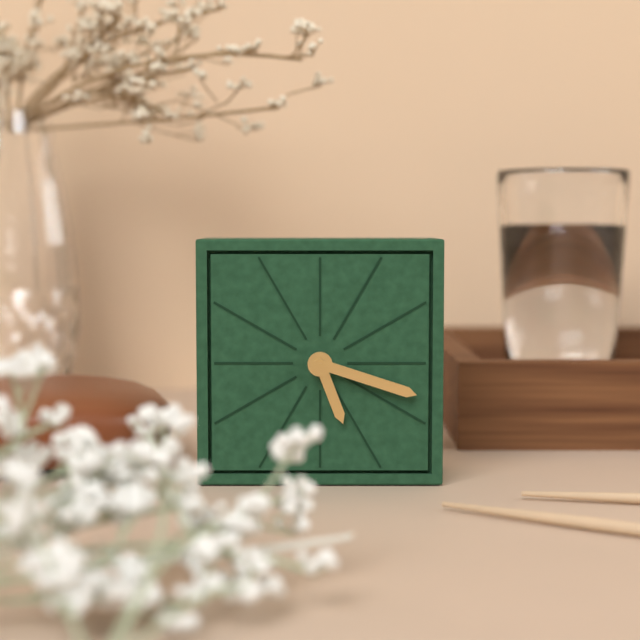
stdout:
{"hour": 5, "minute": 18}
